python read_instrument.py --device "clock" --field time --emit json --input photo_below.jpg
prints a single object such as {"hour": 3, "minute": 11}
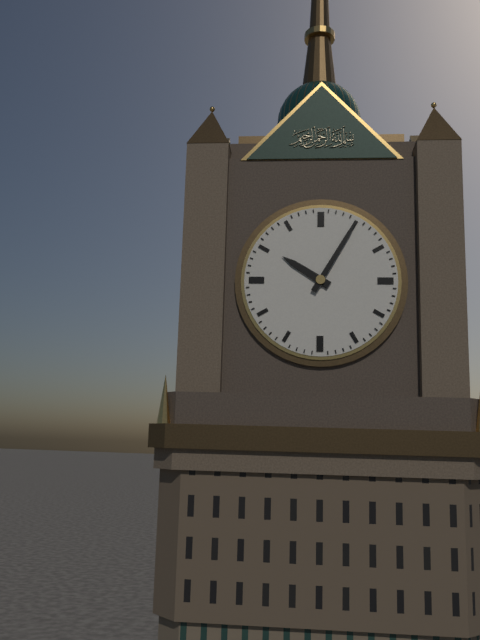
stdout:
{"hour": 10, "minute": 5}
